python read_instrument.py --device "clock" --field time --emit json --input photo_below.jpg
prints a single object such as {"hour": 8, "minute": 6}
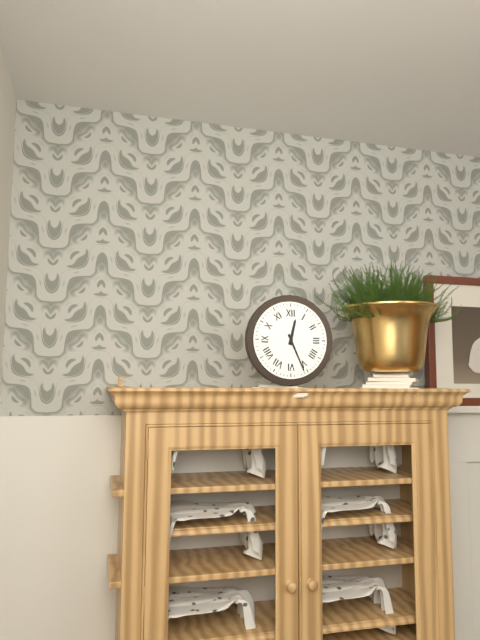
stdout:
{"hour": 12, "minute": 26}
